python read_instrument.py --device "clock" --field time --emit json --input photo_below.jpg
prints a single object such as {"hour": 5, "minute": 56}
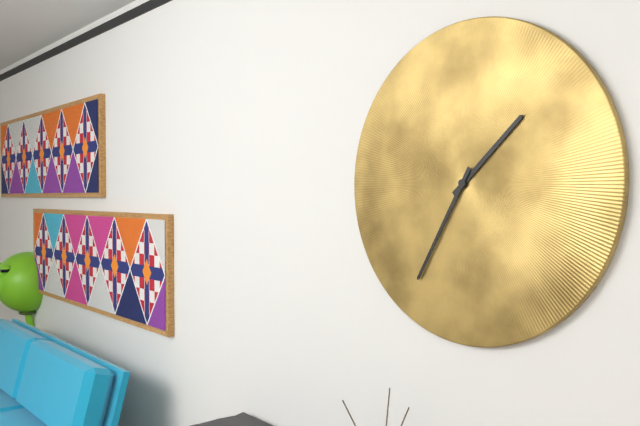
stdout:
{"hour": 1, "minute": 35}
